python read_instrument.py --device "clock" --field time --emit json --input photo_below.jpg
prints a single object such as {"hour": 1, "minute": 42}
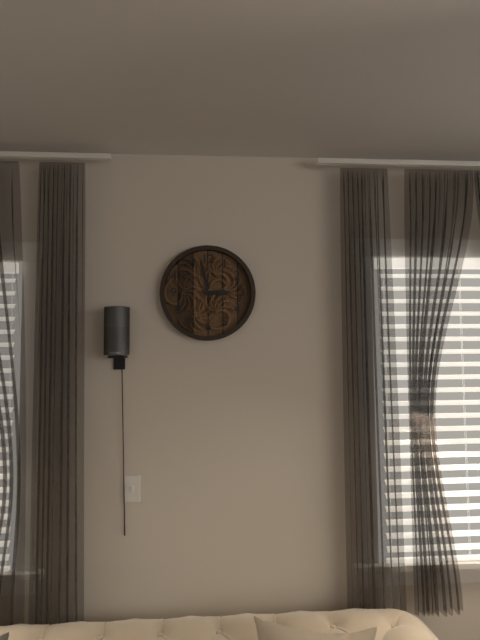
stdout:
{"hour": 2, "minute": 58}
